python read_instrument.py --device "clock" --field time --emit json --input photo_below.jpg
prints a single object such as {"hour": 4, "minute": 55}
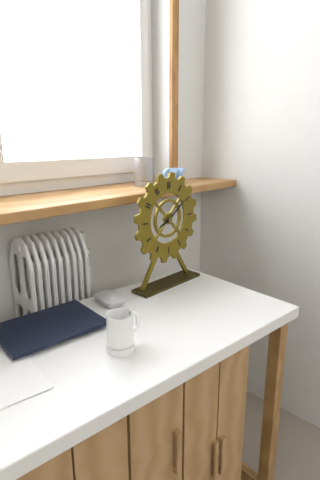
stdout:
{"hour": 8, "minute": 9}
